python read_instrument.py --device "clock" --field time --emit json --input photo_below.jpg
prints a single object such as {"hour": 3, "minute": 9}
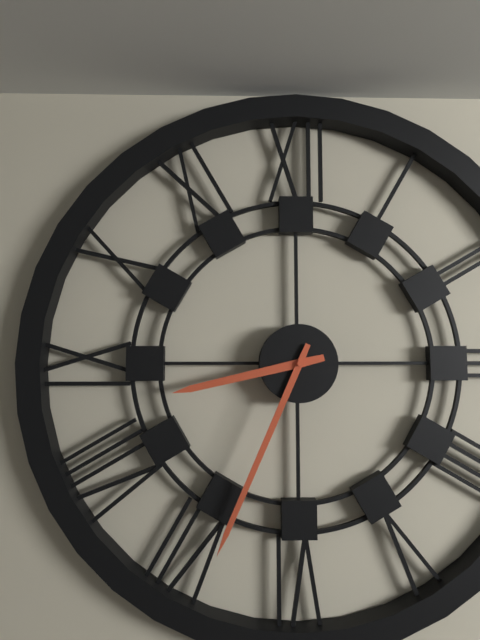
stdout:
{"hour": 8, "minute": 34}
